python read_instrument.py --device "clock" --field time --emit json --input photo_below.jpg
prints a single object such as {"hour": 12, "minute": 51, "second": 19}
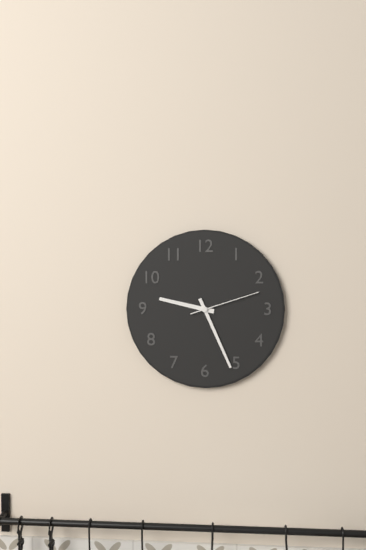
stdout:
{"hour": 9, "minute": 26, "second": 12}
